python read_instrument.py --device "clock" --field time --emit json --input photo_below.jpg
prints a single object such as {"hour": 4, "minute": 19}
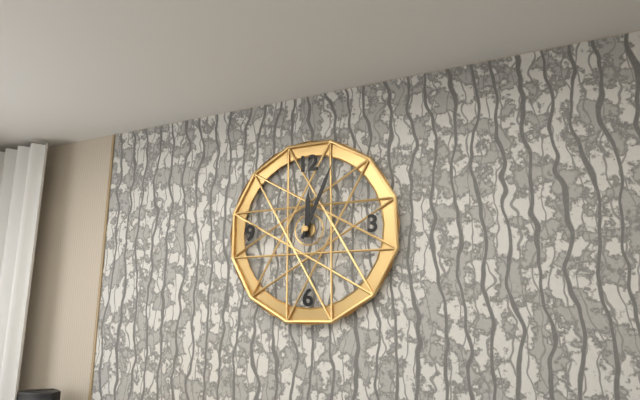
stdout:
{"hour": 12, "minute": 4}
